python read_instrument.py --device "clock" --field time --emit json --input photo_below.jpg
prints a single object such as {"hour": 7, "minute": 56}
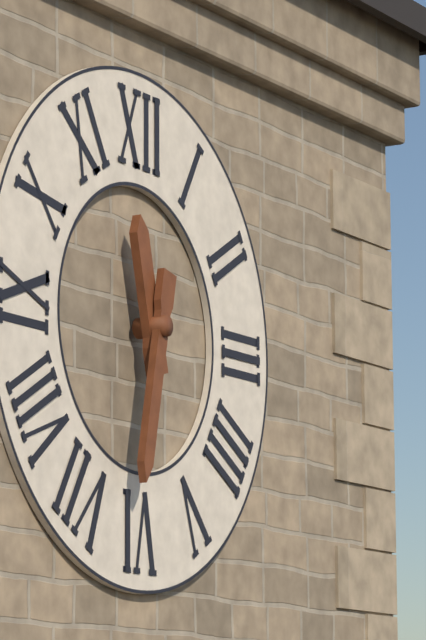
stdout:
{"hour": 11, "minute": 32}
